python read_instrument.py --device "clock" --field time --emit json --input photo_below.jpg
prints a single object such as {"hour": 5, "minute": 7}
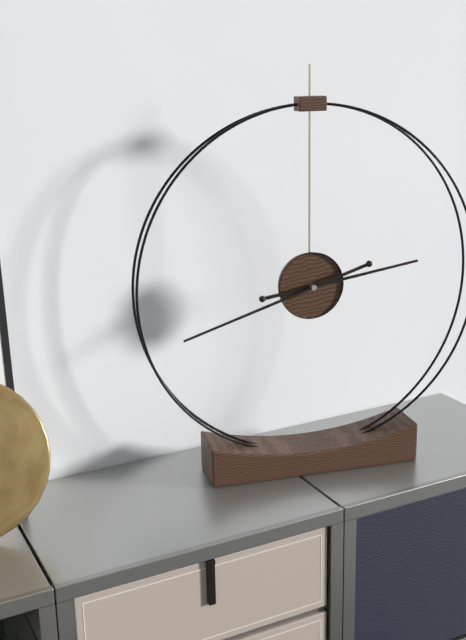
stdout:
{"hour": 2, "minute": 42}
